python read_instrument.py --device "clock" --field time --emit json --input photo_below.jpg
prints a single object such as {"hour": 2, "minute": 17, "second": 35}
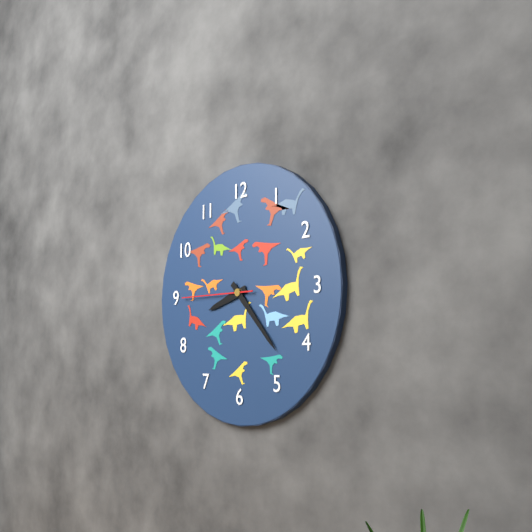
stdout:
{"hour": 8, "minute": 23, "second": 45}
